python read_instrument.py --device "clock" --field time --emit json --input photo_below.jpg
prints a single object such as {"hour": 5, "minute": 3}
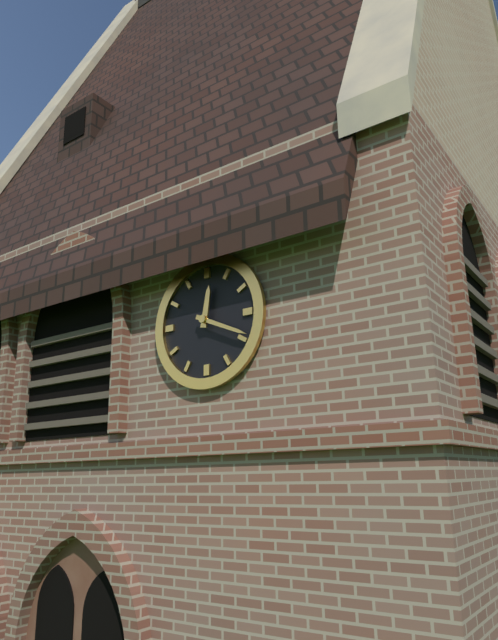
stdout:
{"hour": 12, "minute": 19}
